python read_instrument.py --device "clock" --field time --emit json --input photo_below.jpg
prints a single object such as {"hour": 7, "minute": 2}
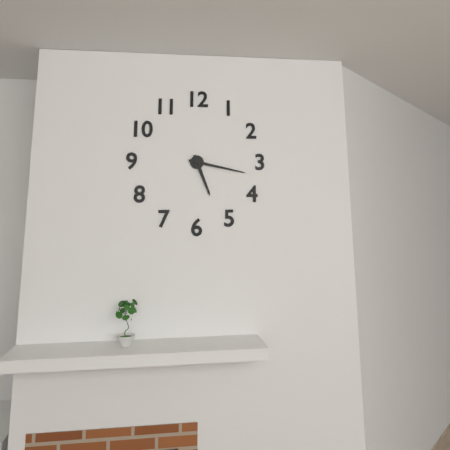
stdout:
{"hour": 5, "minute": 17}
